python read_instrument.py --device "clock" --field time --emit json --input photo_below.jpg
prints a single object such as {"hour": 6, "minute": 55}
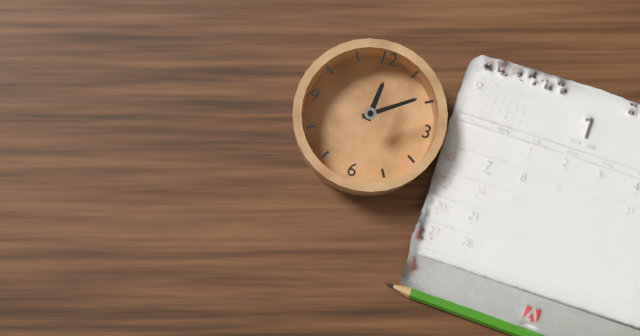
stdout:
{"hour": 12, "minute": 9}
